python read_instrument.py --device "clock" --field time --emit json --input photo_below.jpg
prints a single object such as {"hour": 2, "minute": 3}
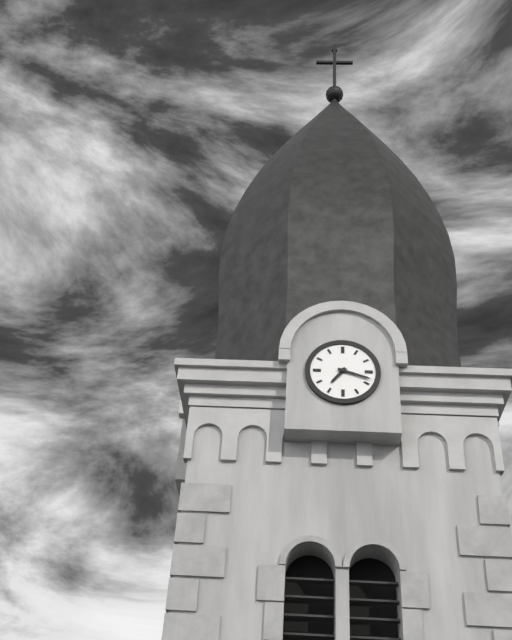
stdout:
{"hour": 7, "minute": 18}
